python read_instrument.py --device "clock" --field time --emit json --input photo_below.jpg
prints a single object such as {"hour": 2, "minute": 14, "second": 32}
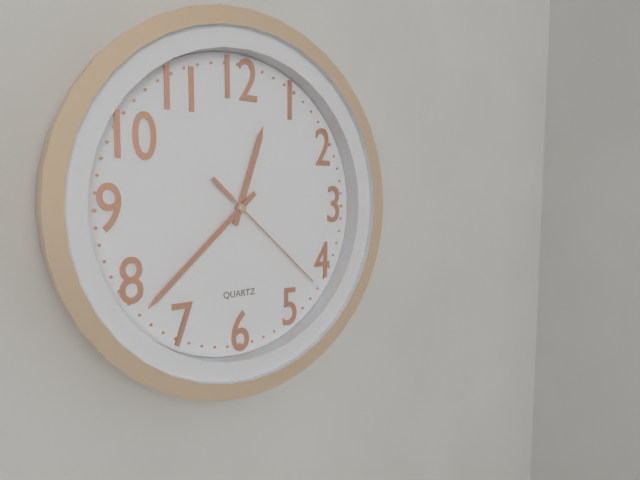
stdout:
{"hour": 12, "minute": 38, "second": 22}
